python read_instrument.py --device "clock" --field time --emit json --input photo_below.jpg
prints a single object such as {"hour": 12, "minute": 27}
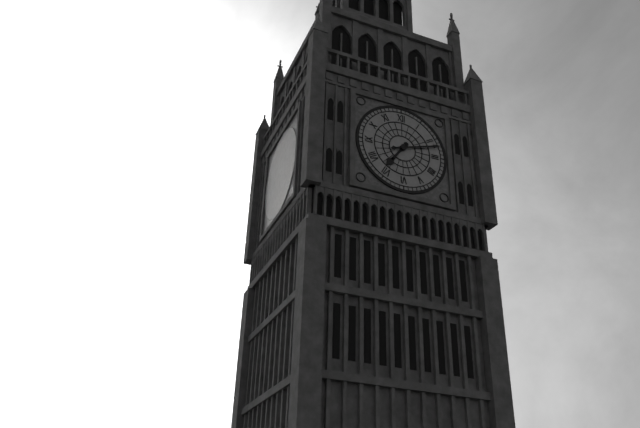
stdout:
{"hour": 7, "minute": 12}
